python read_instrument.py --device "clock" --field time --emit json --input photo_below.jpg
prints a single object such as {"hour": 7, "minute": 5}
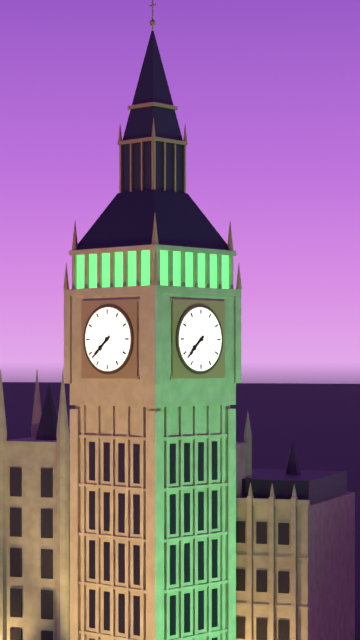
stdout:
{"hour": 7, "minute": 38}
